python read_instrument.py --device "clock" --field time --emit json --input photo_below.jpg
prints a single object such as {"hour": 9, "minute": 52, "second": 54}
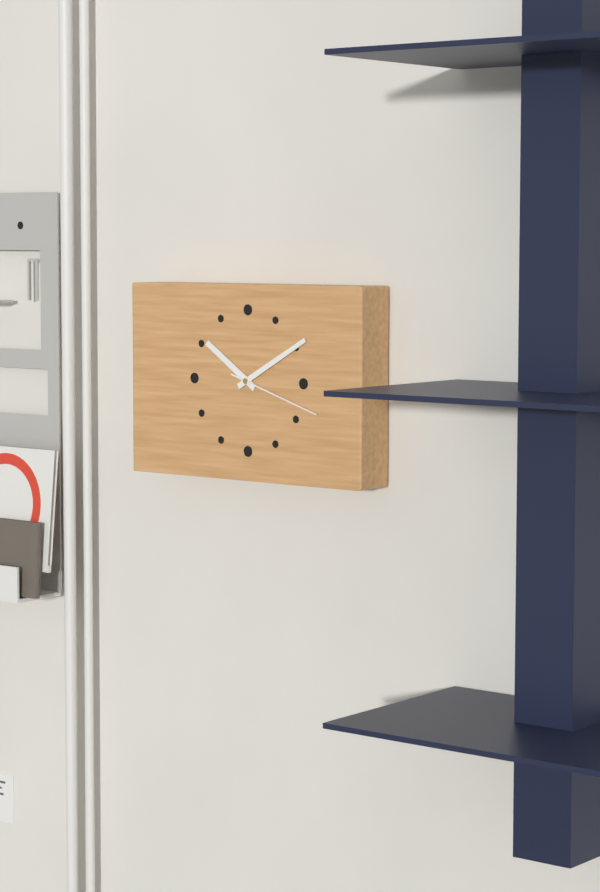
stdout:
{"hour": 10, "minute": 10, "second": 18}
